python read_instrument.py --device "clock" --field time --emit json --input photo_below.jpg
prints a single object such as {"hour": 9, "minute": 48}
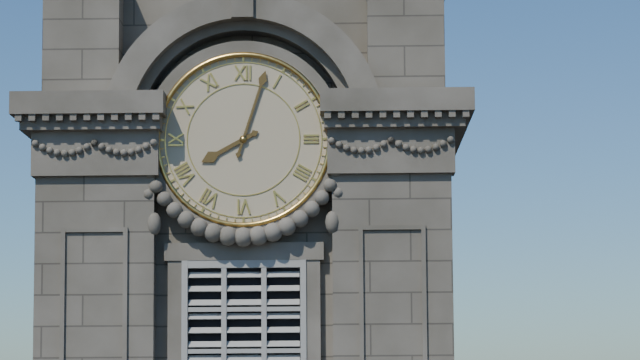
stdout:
{"hour": 8, "minute": 3}
